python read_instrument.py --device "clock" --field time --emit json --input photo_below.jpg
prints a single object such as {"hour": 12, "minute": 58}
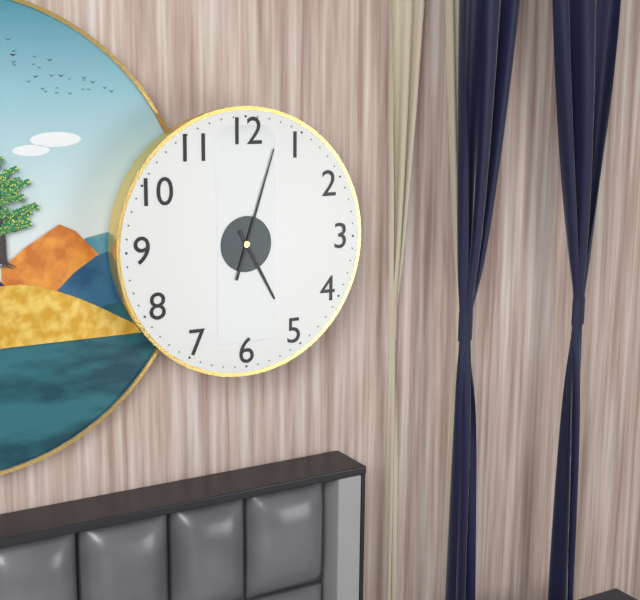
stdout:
{"hour": 5, "minute": 3}
